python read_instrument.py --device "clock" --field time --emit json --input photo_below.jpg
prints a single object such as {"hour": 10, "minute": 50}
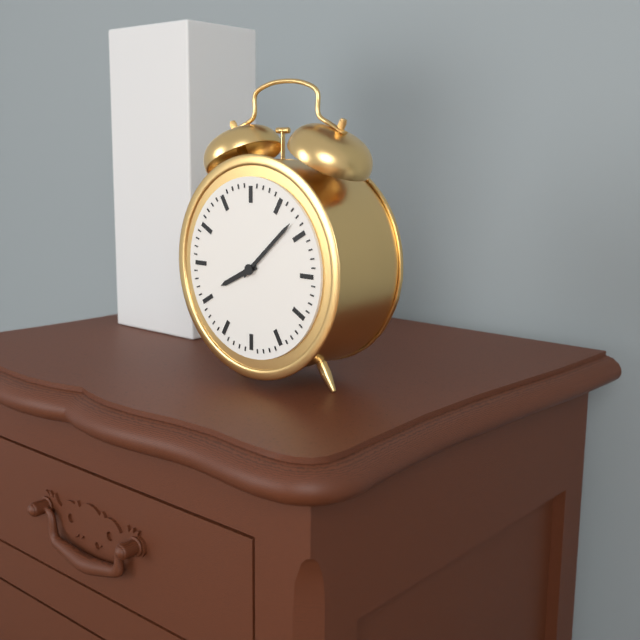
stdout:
{"hour": 8, "minute": 8}
